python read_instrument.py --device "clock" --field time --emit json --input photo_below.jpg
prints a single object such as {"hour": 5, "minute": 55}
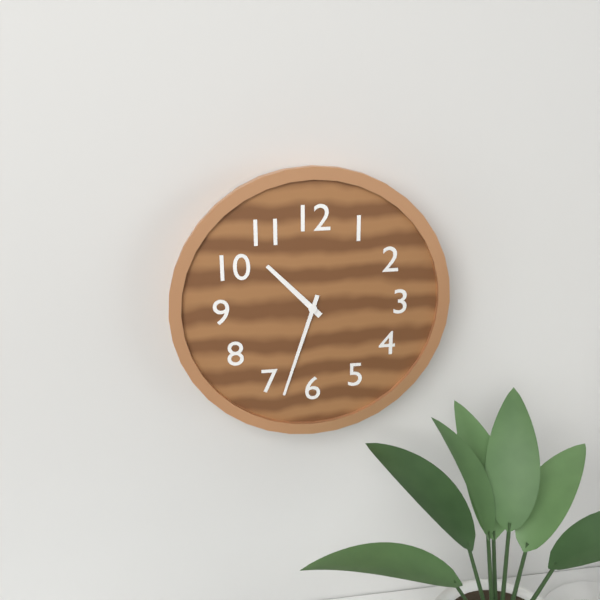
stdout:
{"hour": 10, "minute": 33}
